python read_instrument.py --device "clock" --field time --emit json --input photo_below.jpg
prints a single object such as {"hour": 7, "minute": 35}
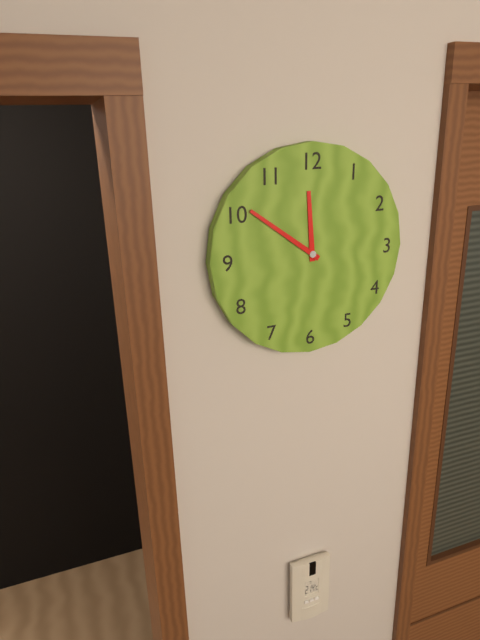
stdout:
{"hour": 11, "minute": 51}
